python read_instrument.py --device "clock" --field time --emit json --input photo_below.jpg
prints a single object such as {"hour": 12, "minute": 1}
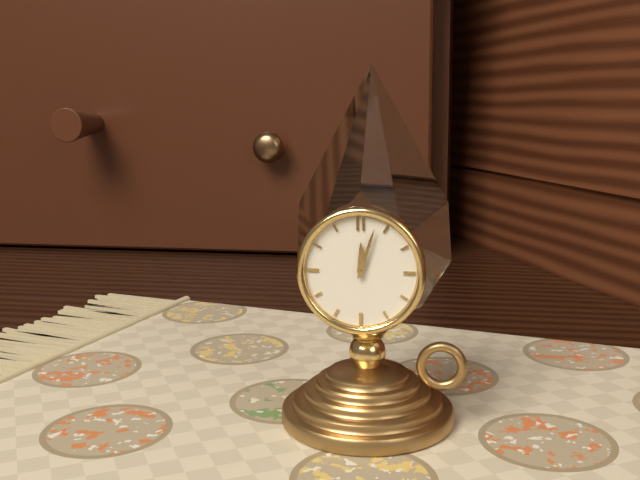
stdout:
{"hour": 12, "minute": 3}
